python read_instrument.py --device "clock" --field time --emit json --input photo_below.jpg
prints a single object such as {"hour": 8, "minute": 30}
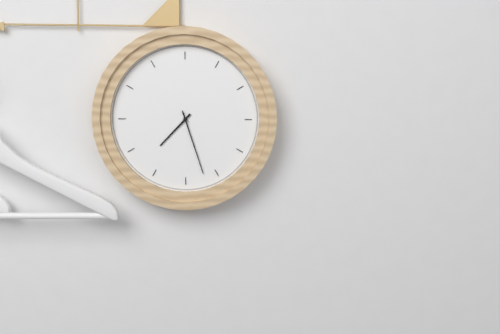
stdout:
{"hour": 7, "minute": 27}
